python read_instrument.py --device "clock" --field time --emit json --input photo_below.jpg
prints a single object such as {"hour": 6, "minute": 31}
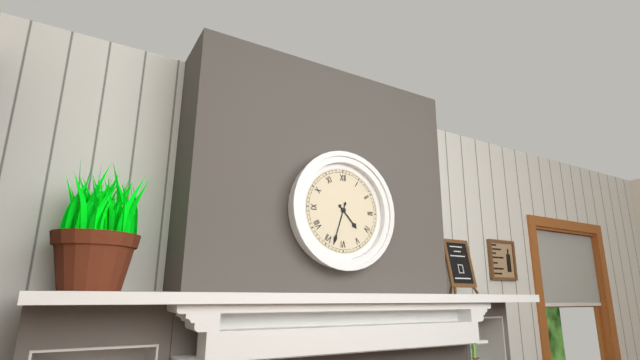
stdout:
{"hour": 4, "minute": 33}
